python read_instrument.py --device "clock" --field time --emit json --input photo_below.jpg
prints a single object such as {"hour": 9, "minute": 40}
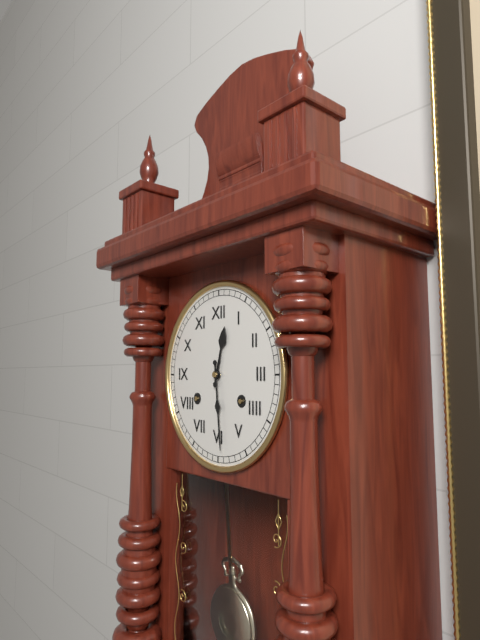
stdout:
{"hour": 12, "minute": 29}
